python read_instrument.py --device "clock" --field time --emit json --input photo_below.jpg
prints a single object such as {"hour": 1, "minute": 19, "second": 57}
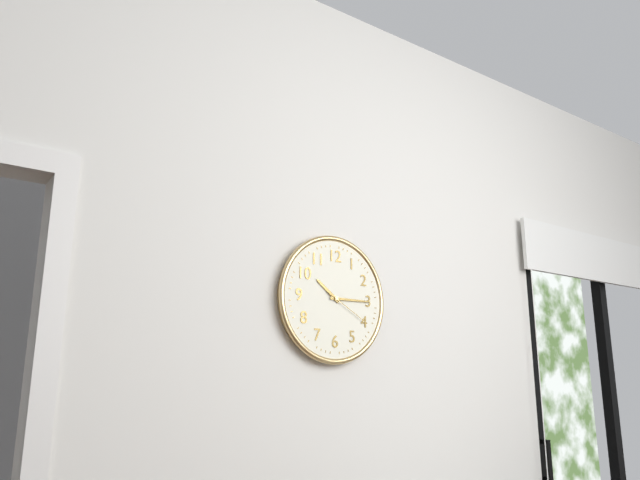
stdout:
{"hour": 10, "minute": 15, "second": 20}
